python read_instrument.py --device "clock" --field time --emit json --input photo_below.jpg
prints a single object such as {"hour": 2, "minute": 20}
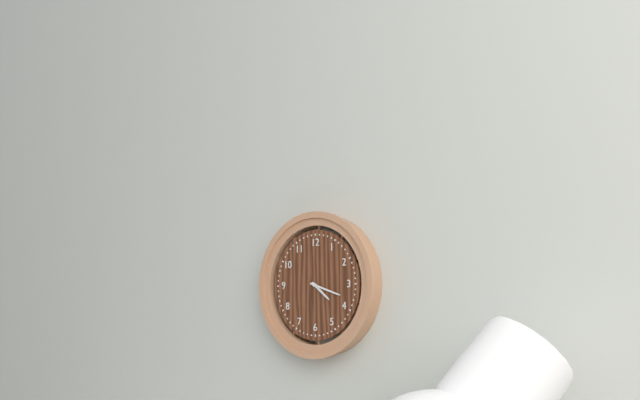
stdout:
{"hour": 4, "minute": 18}
